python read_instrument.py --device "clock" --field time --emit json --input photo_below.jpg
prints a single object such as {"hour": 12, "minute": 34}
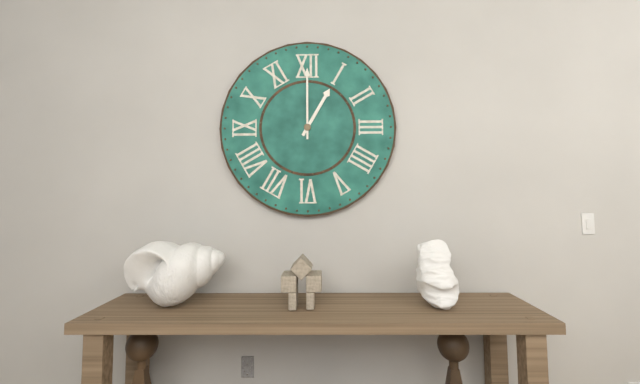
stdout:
{"hour": 1, "minute": 0}
